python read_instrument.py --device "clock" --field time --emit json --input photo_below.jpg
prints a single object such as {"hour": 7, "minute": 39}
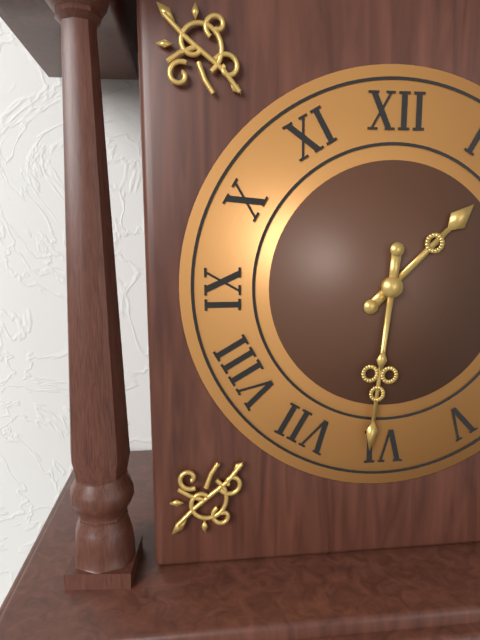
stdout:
{"hour": 1, "minute": 31}
